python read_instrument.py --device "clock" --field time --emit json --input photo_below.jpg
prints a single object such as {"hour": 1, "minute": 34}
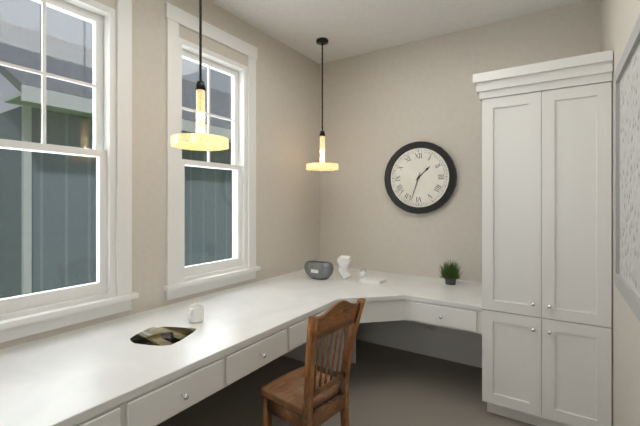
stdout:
{"hour": 1, "minute": 33}
